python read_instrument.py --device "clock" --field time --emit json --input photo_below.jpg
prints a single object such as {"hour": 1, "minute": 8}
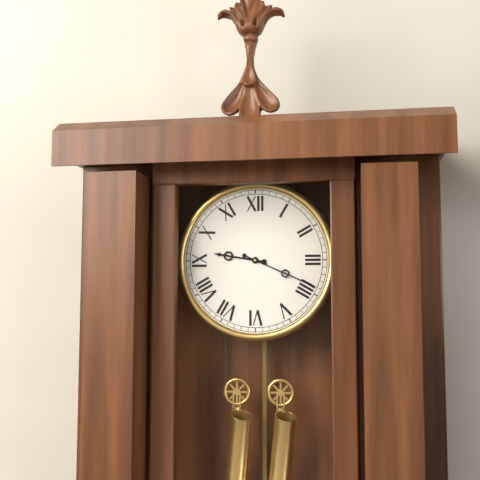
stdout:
{"hour": 9, "minute": 19}
